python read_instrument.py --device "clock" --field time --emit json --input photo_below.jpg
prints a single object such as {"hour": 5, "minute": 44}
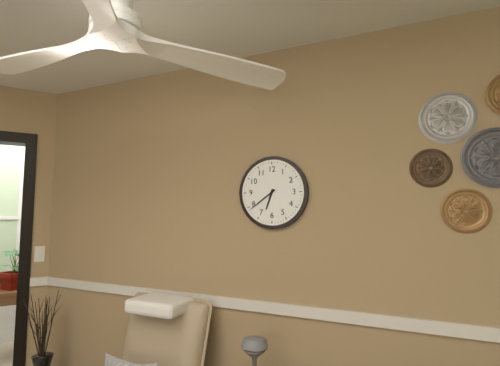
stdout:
{"hour": 6, "minute": 39}
